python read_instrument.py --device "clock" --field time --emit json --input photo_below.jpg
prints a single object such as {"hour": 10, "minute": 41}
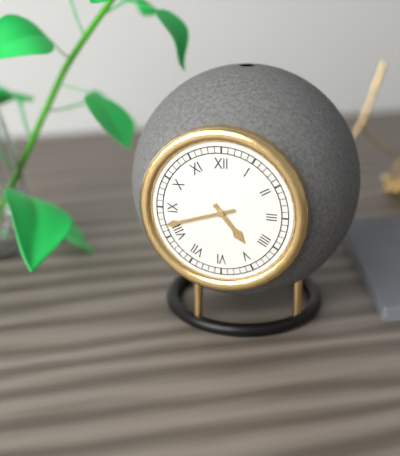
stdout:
{"hour": 4, "minute": 42}
